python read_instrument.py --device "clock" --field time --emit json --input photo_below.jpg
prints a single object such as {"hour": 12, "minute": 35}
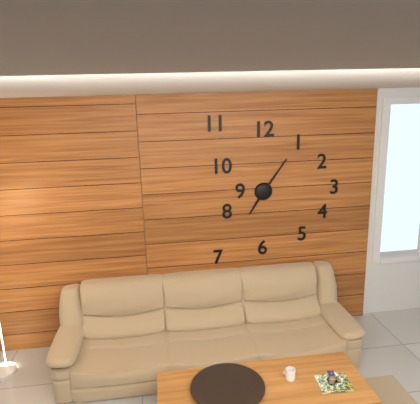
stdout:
{"hour": 7, "minute": 6}
